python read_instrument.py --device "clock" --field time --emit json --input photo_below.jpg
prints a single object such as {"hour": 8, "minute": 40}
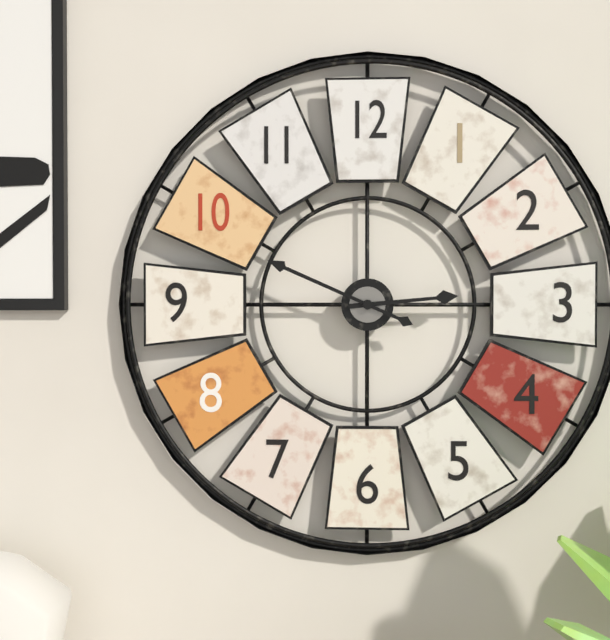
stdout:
{"hour": 2, "minute": 49}
